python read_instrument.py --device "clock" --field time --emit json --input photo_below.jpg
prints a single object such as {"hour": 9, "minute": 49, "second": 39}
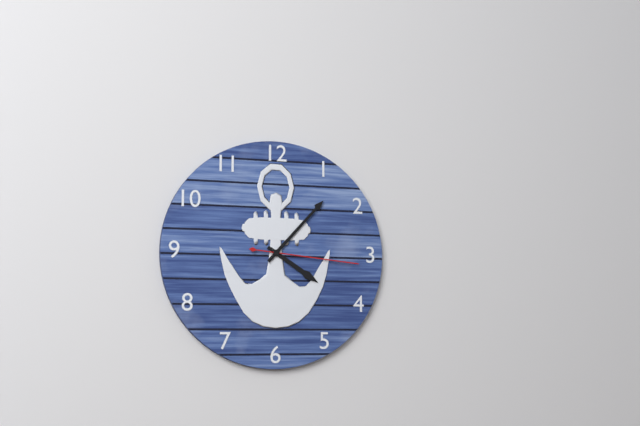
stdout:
{"hour": 4, "minute": 7, "second": 16}
